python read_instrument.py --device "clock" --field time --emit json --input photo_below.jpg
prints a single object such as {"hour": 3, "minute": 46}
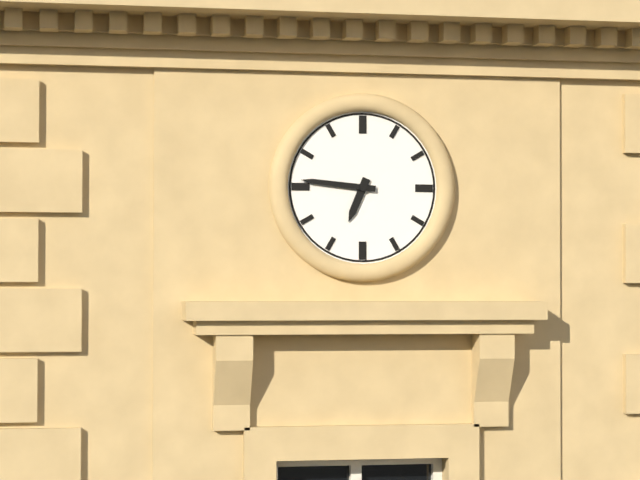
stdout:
{"hour": 6, "minute": 46}
